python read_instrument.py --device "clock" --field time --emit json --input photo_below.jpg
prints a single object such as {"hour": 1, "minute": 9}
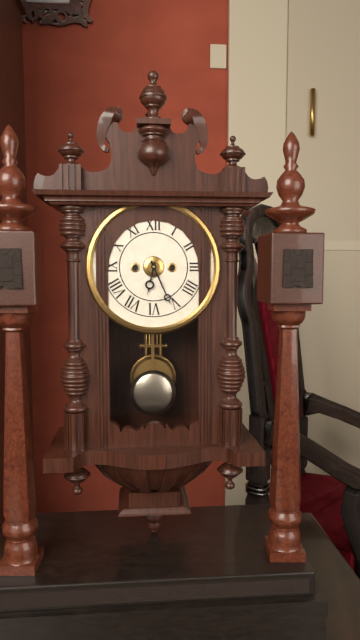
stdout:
{"hour": 6, "minute": 26}
